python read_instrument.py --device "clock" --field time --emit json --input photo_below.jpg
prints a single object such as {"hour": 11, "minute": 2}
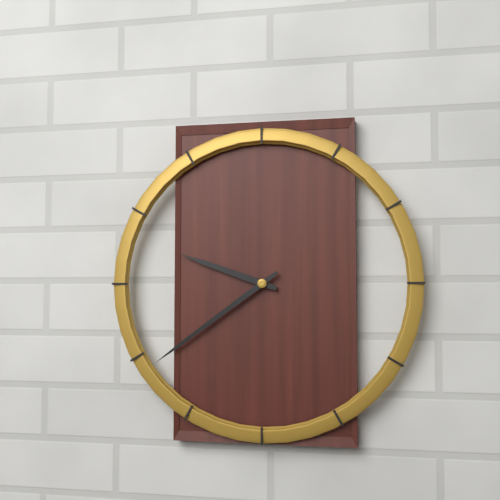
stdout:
{"hour": 9, "minute": 39}
